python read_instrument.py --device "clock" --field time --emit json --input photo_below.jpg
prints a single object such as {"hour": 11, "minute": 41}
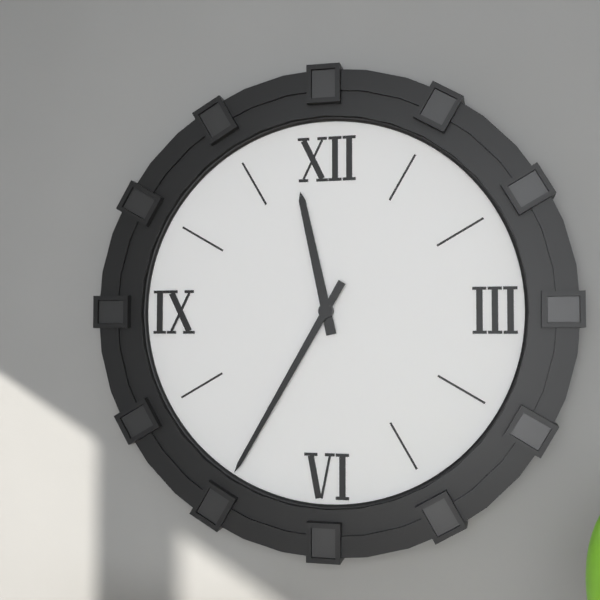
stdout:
{"hour": 11, "minute": 35}
